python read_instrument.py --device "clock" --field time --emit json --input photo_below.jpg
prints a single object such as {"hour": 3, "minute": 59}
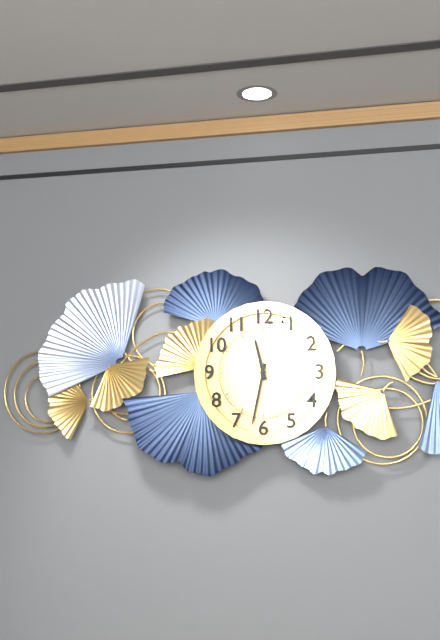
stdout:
{"hour": 11, "minute": 32}
